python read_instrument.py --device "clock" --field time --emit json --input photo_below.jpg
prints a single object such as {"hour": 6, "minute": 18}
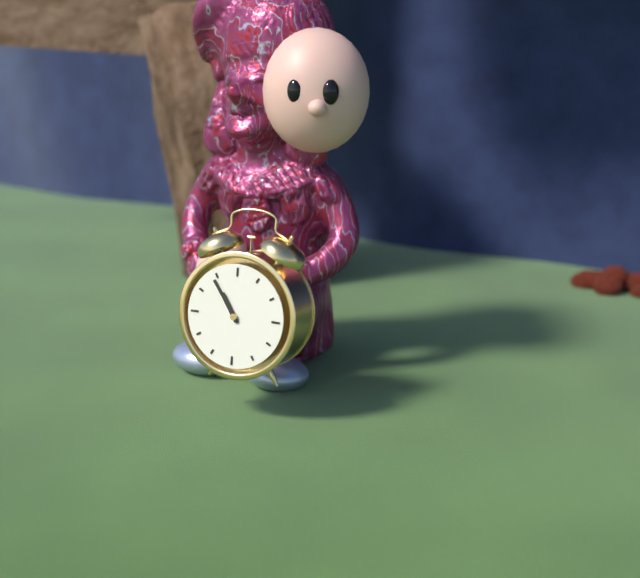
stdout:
{"hour": 10, "minute": 54}
